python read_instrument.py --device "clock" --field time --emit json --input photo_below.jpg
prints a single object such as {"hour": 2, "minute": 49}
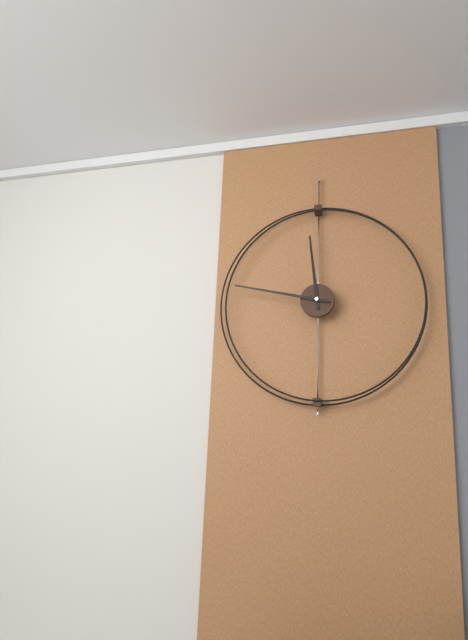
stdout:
{"hour": 11, "minute": 47}
